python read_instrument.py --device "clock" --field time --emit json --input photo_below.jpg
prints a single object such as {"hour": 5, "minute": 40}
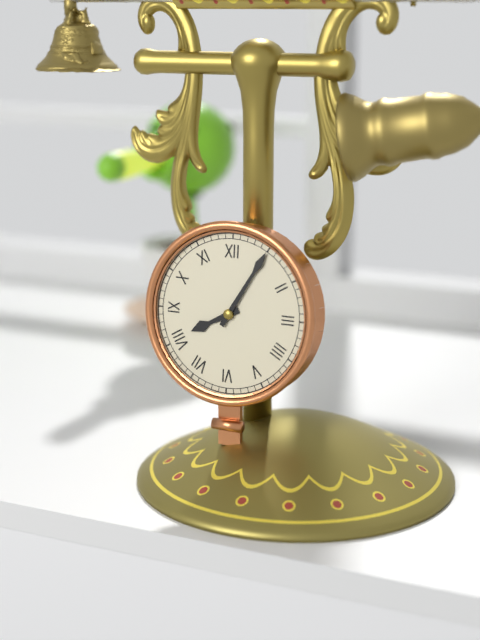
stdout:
{"hour": 8, "minute": 5}
